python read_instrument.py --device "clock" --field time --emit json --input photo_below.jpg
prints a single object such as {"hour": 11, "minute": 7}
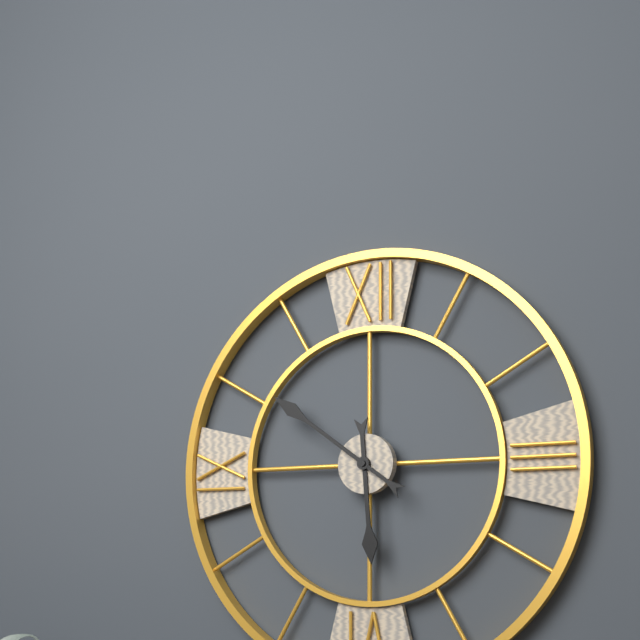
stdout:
{"hour": 5, "minute": 51}
